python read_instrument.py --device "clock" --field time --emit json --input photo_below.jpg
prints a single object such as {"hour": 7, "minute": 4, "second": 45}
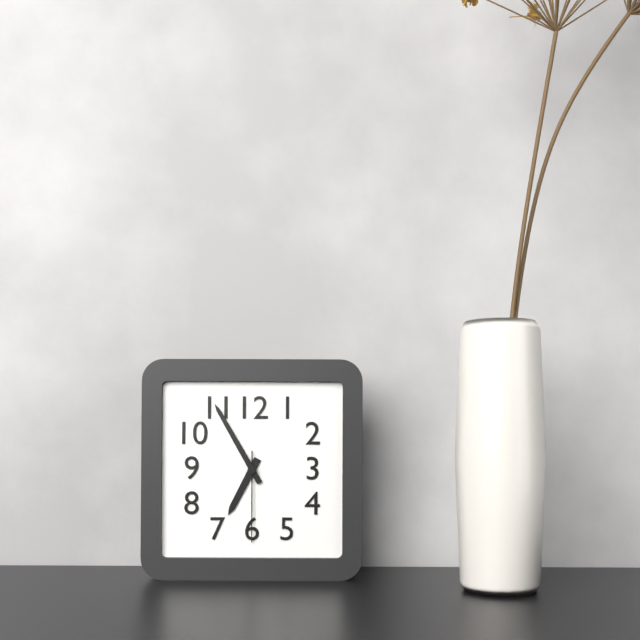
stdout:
{"hour": 6, "minute": 55, "second": 30}
